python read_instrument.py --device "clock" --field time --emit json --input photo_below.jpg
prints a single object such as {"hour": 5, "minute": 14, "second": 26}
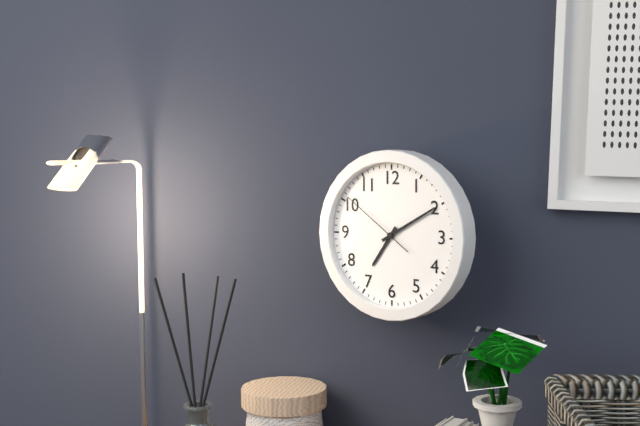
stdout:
{"hour": 7, "minute": 10, "second": 51}
